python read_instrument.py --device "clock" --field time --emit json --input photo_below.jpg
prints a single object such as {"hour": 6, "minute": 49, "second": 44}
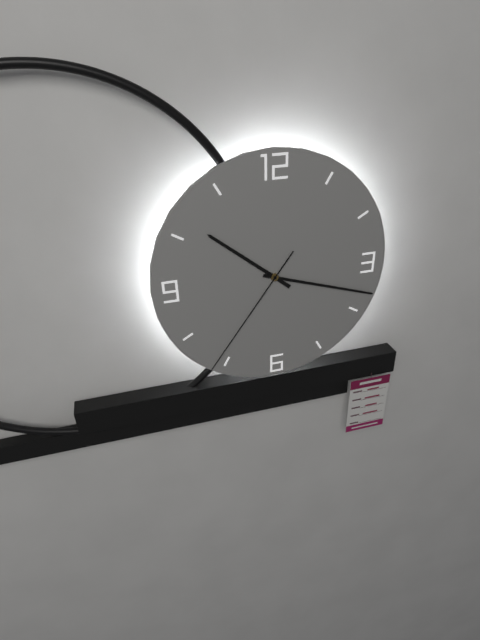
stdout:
{"hour": 10, "minute": 18, "second": 36}
